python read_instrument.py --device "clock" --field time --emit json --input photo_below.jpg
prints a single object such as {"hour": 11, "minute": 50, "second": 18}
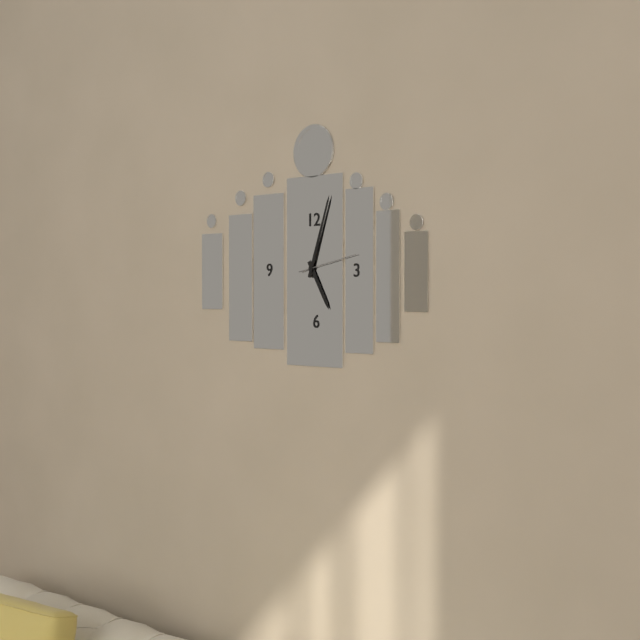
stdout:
{"hour": 5, "minute": 3, "second": 13}
